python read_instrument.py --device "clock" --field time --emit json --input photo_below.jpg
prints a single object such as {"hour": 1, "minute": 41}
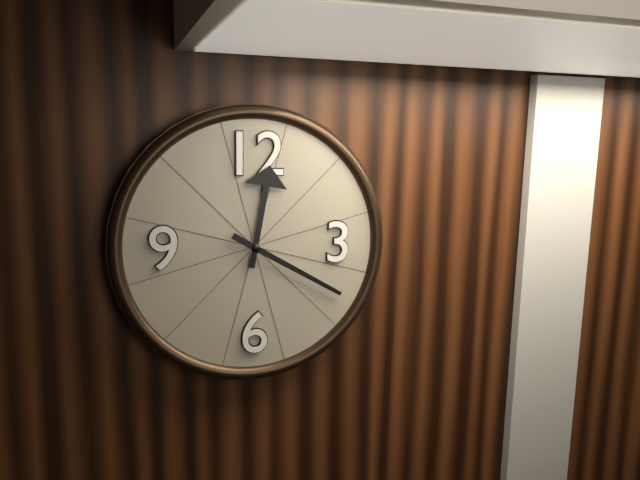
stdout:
{"hour": 12, "minute": 20}
